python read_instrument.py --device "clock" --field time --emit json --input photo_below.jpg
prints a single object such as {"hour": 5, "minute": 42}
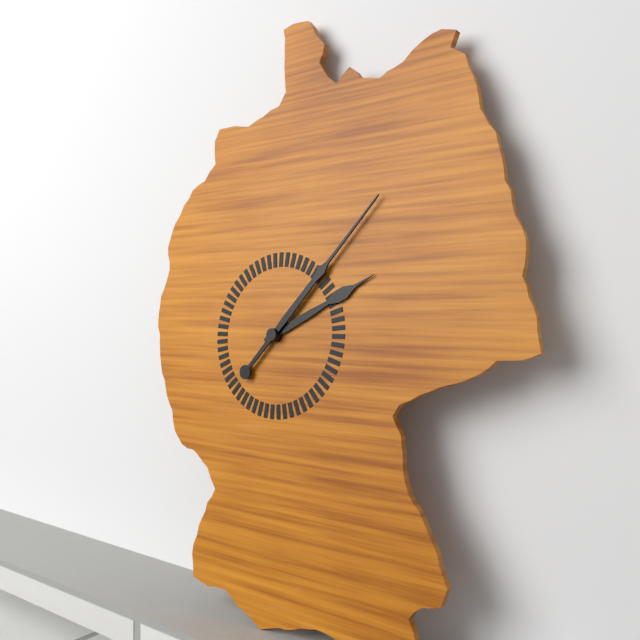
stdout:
{"hour": 2, "minute": 7}
